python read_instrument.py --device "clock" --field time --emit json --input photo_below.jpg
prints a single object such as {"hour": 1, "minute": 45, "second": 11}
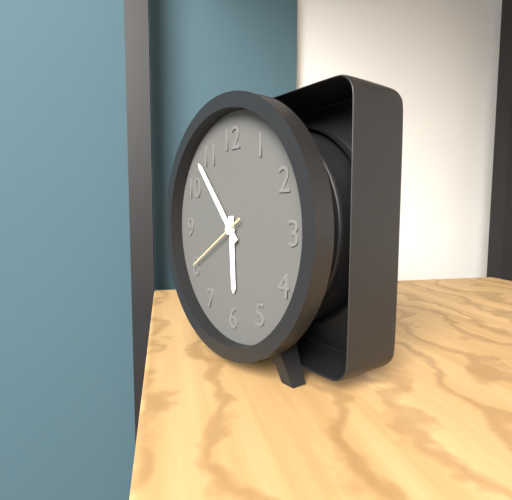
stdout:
{"hour": 5, "minute": 53, "second": 40}
